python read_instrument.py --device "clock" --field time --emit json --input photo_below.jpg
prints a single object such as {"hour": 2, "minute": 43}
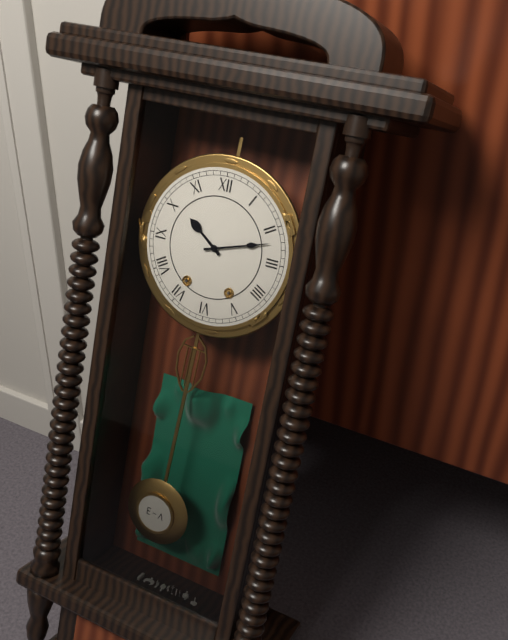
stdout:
{"hour": 10, "minute": 12}
